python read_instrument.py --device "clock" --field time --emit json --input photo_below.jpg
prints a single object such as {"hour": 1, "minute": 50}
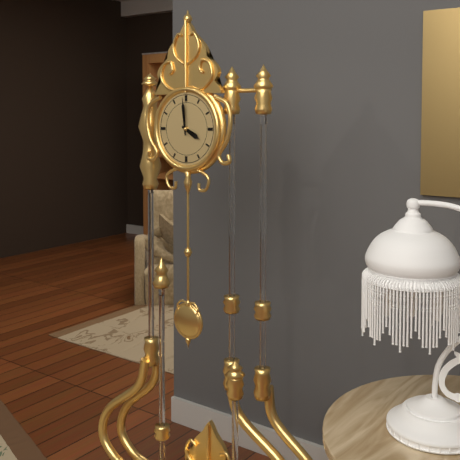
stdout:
{"hour": 3, "minute": 59}
